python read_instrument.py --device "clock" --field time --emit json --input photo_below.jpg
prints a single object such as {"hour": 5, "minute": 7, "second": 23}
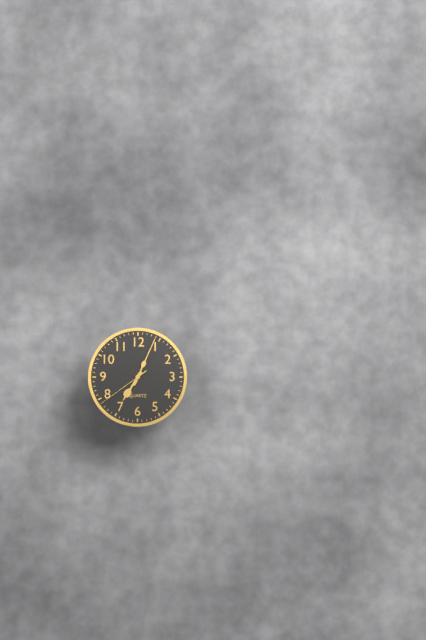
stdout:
{"hour": 7, "minute": 4, "second": 39}
